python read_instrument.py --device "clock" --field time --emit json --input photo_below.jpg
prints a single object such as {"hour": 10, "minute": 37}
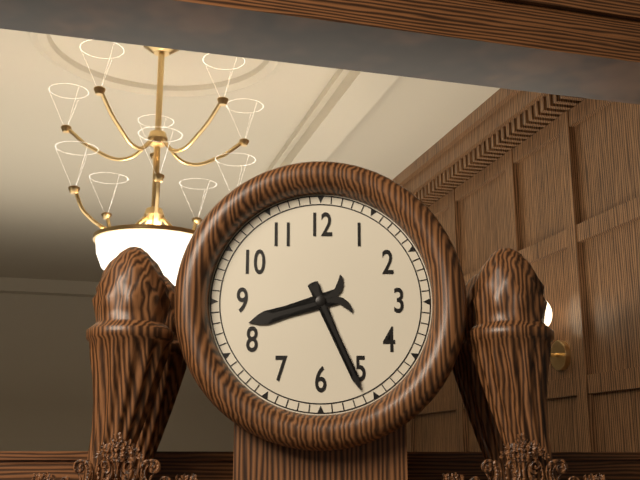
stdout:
{"hour": 8, "minute": 26}
